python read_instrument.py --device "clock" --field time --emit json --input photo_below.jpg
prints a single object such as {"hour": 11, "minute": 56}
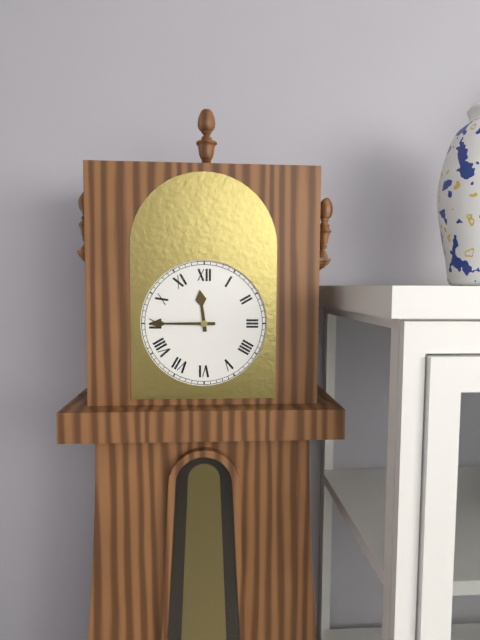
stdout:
{"hour": 11, "minute": 45}
